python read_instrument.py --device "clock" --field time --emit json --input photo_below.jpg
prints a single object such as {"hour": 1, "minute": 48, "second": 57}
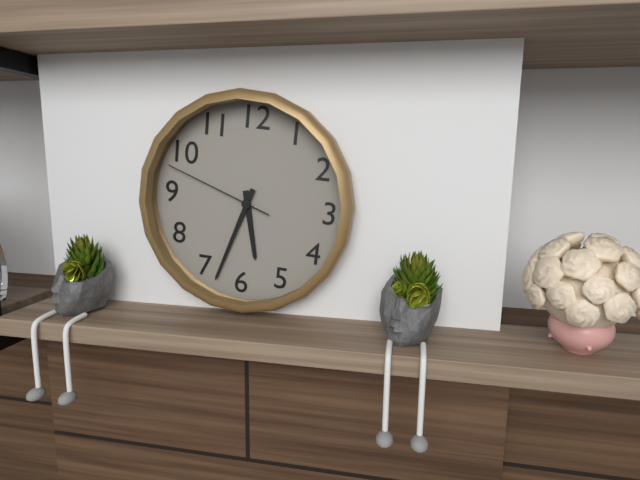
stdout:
{"hour": 5, "minute": 33, "second": 48}
